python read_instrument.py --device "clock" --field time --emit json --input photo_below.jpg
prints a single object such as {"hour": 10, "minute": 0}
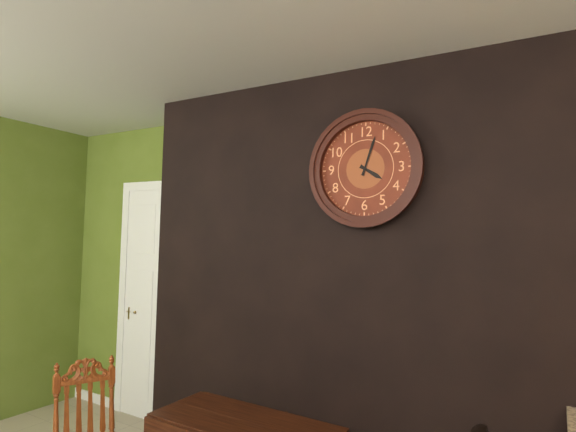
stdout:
{"hour": 4, "minute": 3}
